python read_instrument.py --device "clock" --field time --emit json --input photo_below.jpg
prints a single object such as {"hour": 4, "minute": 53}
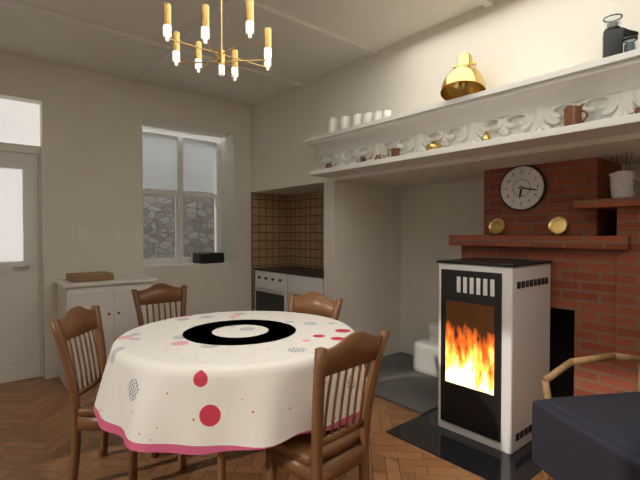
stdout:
{"hour": 6, "minute": 17}
